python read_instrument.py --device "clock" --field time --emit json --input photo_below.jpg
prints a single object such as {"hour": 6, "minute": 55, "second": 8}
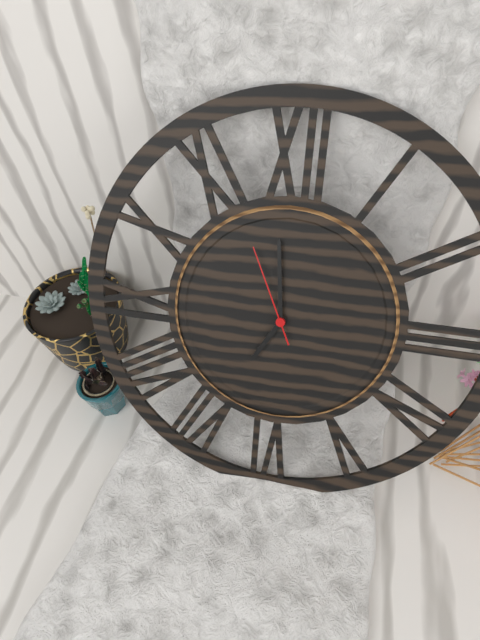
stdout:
{"hour": 6, "minute": 59, "second": 56}
